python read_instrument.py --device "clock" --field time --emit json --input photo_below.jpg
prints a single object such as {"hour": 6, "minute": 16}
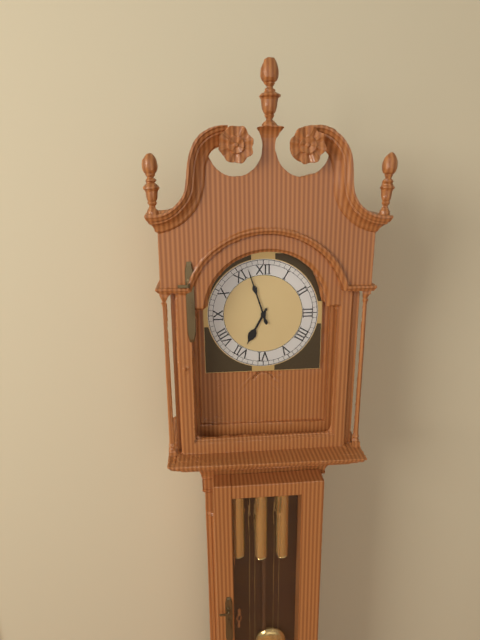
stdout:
{"hour": 6, "minute": 57}
